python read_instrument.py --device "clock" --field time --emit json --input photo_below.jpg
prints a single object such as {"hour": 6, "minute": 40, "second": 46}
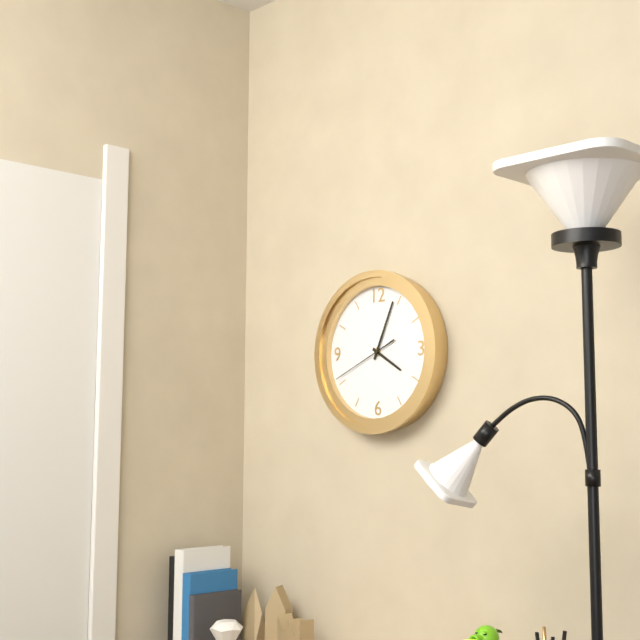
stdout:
{"hour": 4, "minute": 4, "second": 41}
